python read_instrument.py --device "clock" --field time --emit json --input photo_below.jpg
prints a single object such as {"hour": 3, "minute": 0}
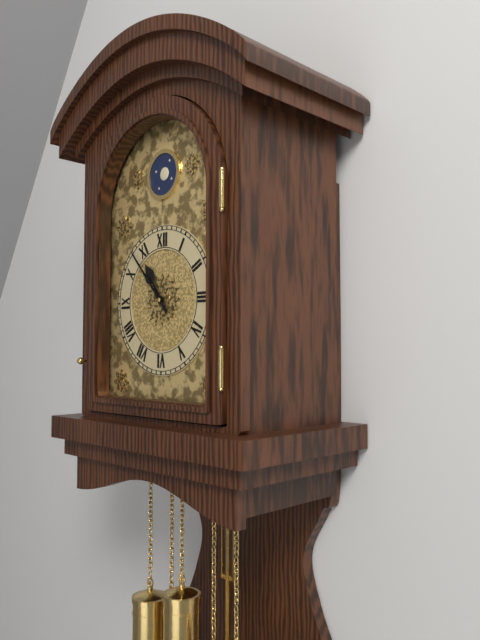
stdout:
{"hour": 10, "minute": 53}
